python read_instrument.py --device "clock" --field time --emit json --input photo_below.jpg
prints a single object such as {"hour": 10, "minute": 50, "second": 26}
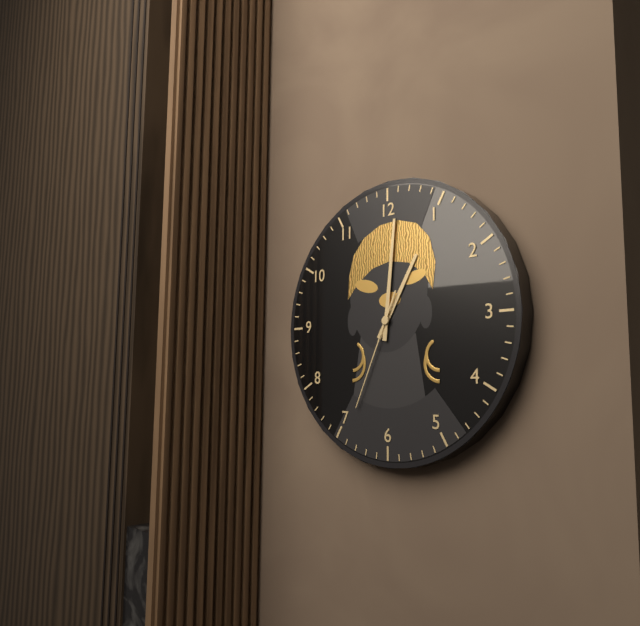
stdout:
{"hour": 1, "minute": 1, "second": 34}
